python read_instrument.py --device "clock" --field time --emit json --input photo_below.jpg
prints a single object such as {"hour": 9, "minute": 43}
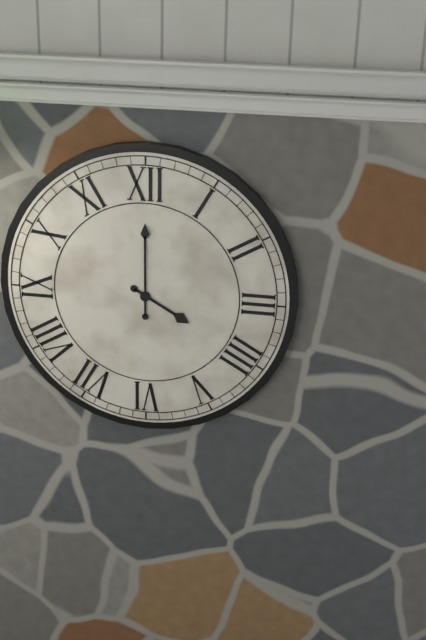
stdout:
{"hour": 4, "minute": 0}
